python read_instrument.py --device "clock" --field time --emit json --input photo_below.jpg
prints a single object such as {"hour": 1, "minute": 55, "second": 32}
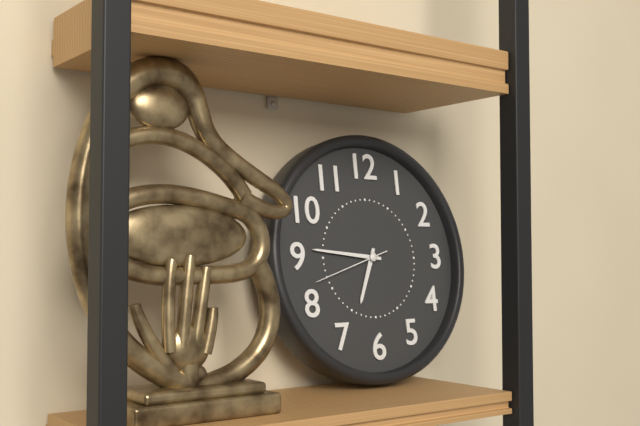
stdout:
{"hour": 6, "minute": 46, "second": 42}
